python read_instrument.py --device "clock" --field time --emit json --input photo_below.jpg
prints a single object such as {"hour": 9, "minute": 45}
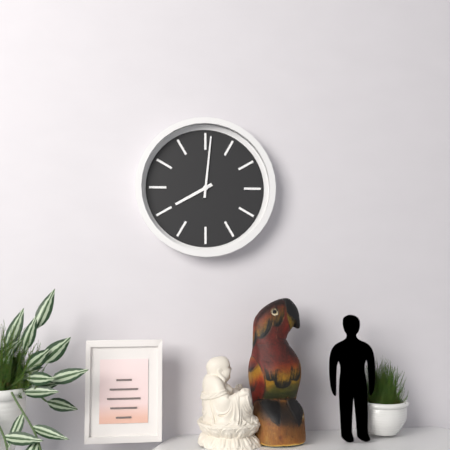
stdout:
{"hour": 8, "minute": 1}
